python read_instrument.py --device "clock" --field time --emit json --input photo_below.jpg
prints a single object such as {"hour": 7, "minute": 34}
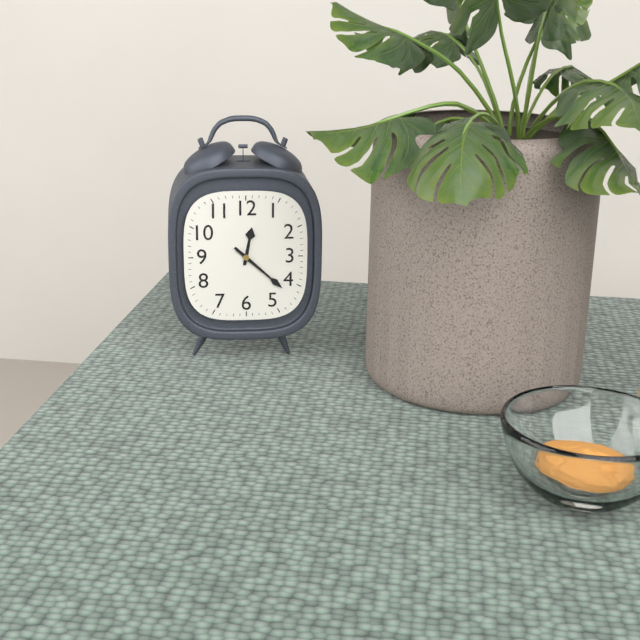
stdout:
{"hour": 12, "minute": 22}
